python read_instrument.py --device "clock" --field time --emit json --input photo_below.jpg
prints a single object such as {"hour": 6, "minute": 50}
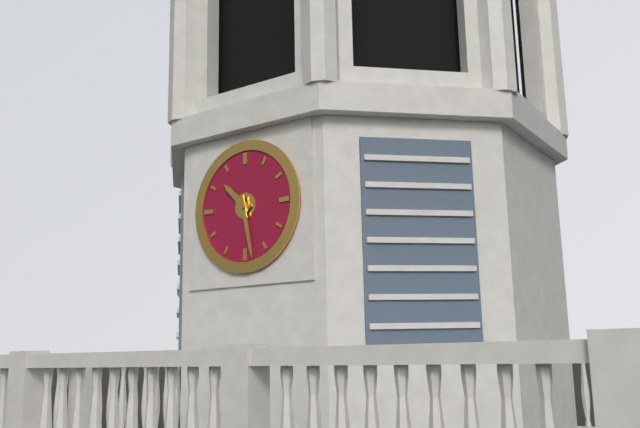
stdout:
{"hour": 10, "minute": 28}
